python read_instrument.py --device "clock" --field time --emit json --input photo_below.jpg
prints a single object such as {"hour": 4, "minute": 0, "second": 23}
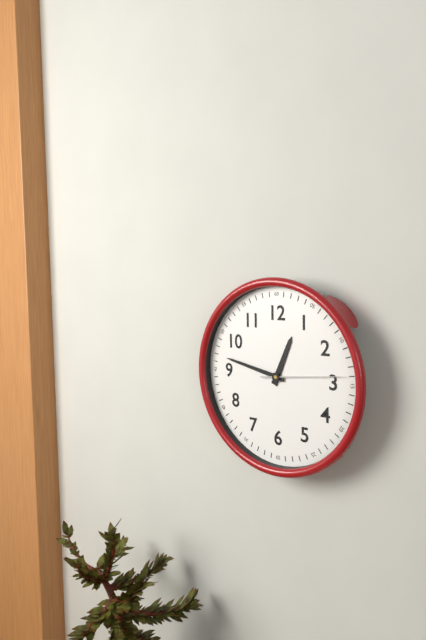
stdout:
{"hour": 12, "minute": 47, "second": 14}
